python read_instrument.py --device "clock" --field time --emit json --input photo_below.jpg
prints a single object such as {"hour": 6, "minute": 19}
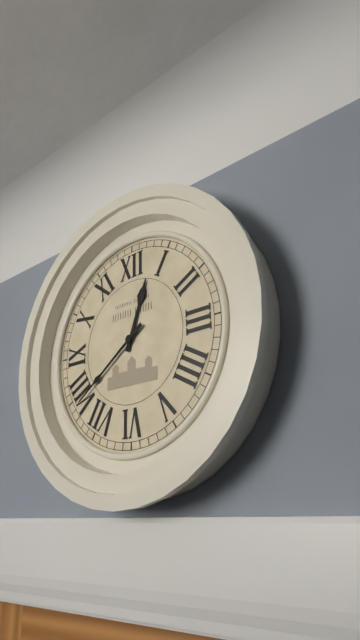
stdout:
{"hour": 12, "minute": 39}
